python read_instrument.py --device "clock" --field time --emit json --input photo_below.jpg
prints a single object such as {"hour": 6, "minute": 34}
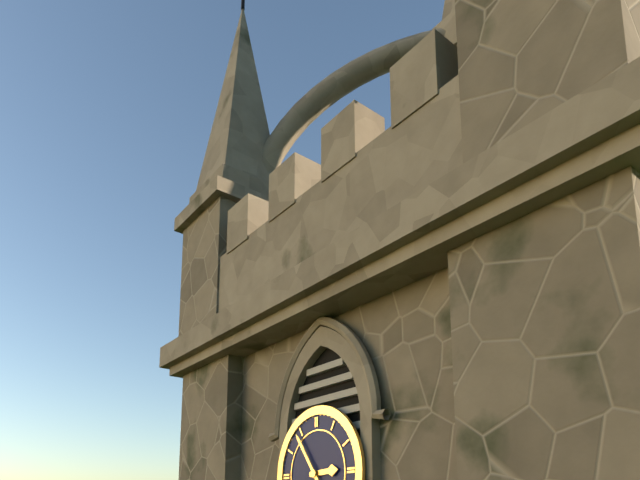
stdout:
{"hour": 2, "minute": 54}
